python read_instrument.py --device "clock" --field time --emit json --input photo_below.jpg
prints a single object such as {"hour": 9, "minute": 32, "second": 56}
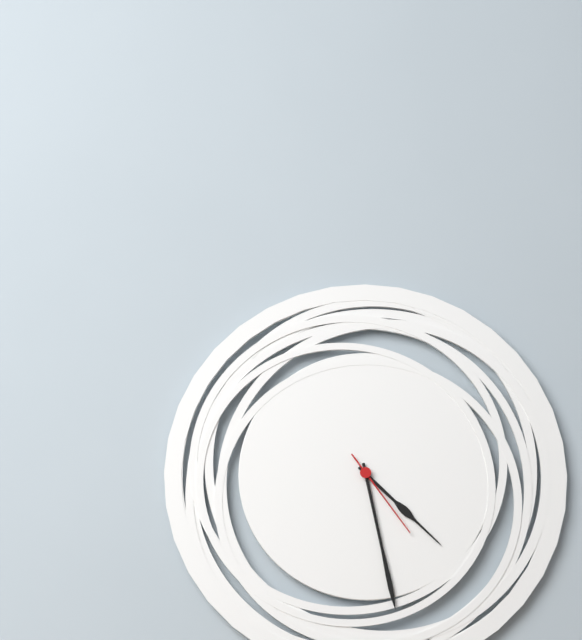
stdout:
{"hour": 4, "minute": 28, "second": 24}
